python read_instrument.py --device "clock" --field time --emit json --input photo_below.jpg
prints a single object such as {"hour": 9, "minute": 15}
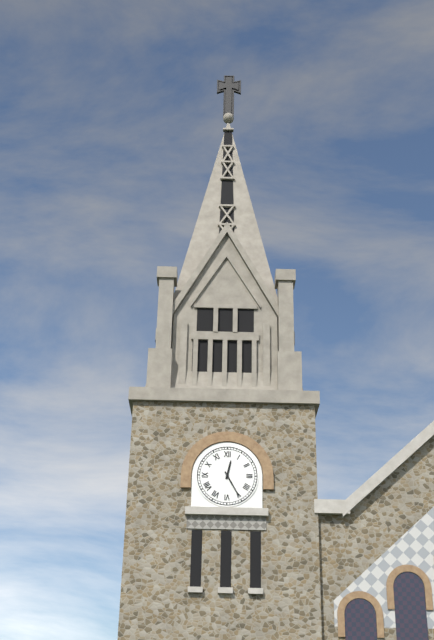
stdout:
{"hour": 12, "minute": 25}
